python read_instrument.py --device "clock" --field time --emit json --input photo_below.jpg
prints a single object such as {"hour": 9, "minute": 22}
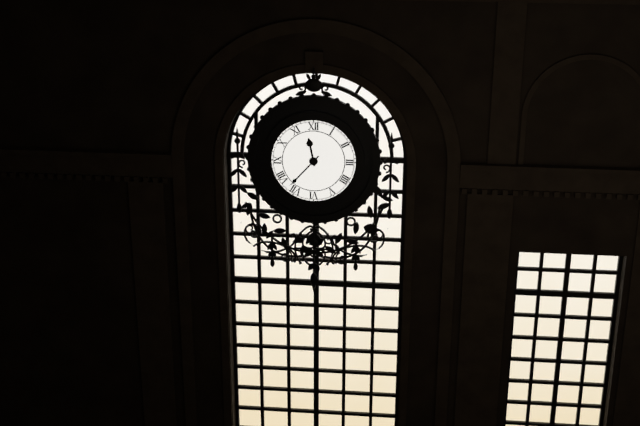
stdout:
{"hour": 11, "minute": 37}
